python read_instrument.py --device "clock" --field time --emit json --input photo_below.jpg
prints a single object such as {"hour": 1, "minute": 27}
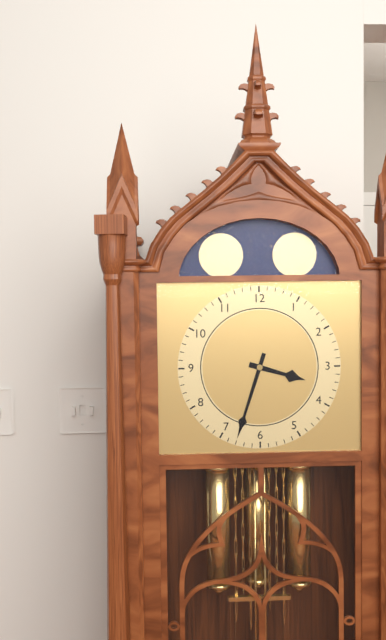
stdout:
{"hour": 3, "minute": 33}
